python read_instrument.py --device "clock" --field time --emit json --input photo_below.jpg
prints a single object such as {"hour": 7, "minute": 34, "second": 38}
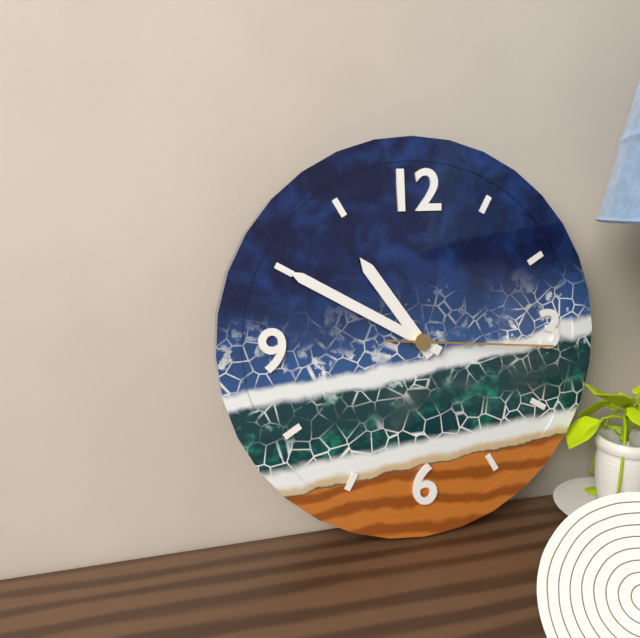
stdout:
{"hour": 10, "minute": 50, "second": 16}
